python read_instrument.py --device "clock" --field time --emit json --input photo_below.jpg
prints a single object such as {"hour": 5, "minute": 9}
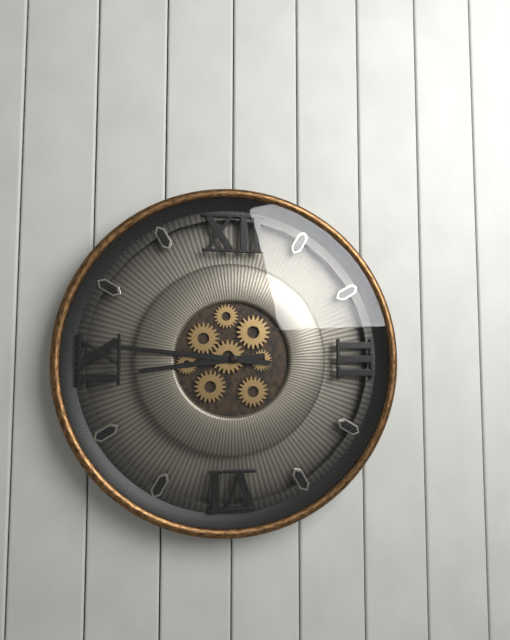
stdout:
{"hour": 8, "minute": 46}
